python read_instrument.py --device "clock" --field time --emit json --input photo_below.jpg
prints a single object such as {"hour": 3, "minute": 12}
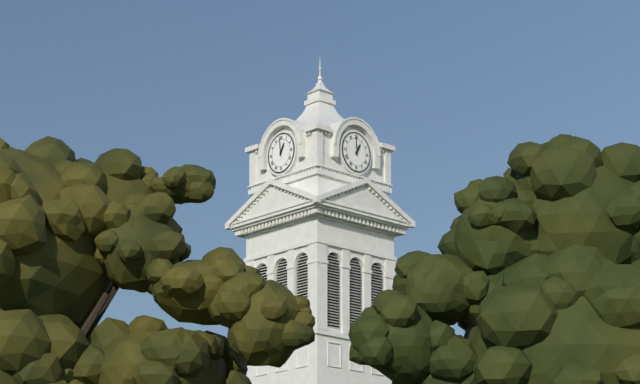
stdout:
{"hour": 12, "minute": 59}
